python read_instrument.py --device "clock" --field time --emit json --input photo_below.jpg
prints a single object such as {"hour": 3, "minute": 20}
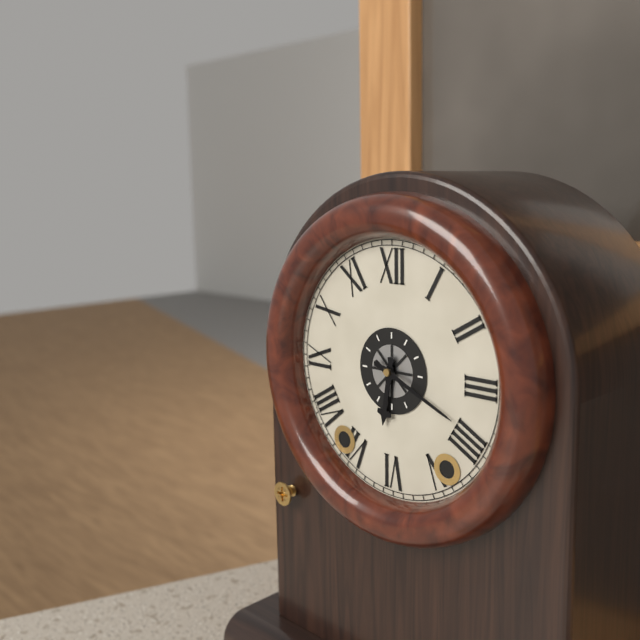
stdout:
{"hour": 6, "minute": 19}
